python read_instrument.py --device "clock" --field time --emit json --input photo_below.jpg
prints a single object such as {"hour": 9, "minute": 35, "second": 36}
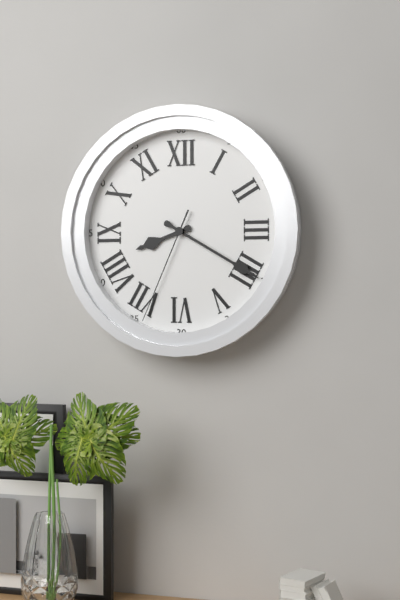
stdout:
{"hour": 8, "minute": 20, "second": 34}
